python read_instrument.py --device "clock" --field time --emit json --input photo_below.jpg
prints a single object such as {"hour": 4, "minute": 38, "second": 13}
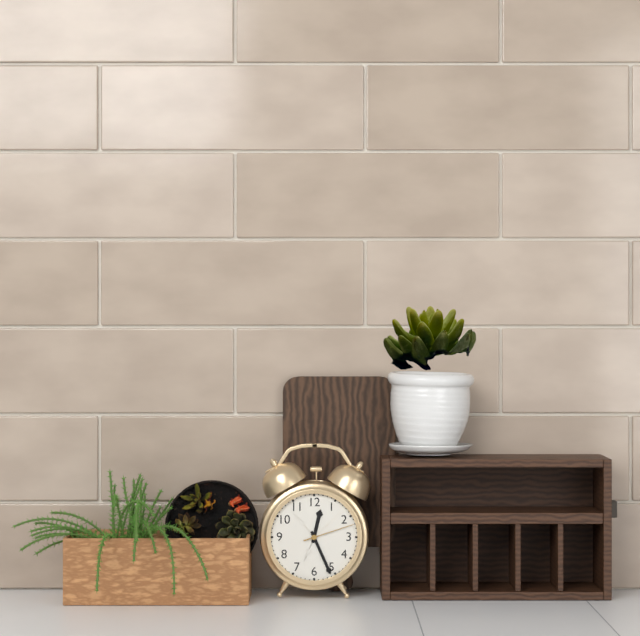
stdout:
{"hour": 12, "minute": 26, "second": 12}
